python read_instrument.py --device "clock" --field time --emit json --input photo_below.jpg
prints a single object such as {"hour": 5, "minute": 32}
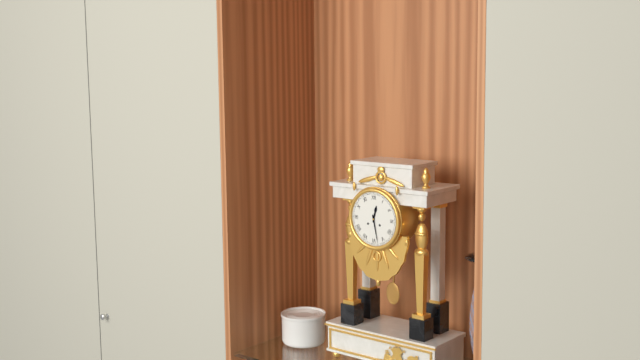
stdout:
{"hour": 12, "minute": 28}
